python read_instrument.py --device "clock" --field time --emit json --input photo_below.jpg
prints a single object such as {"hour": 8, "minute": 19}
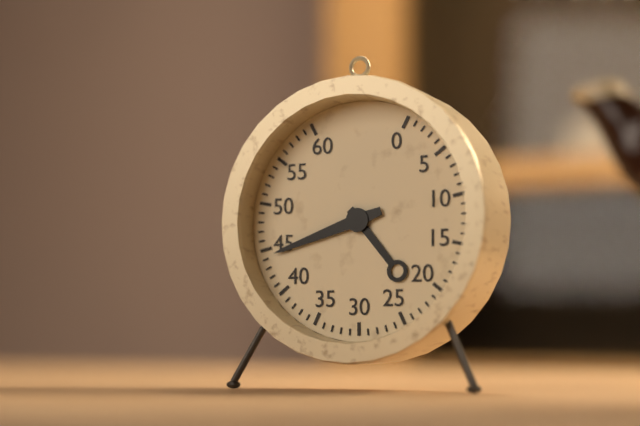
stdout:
{"hour": 4, "minute": 42}
